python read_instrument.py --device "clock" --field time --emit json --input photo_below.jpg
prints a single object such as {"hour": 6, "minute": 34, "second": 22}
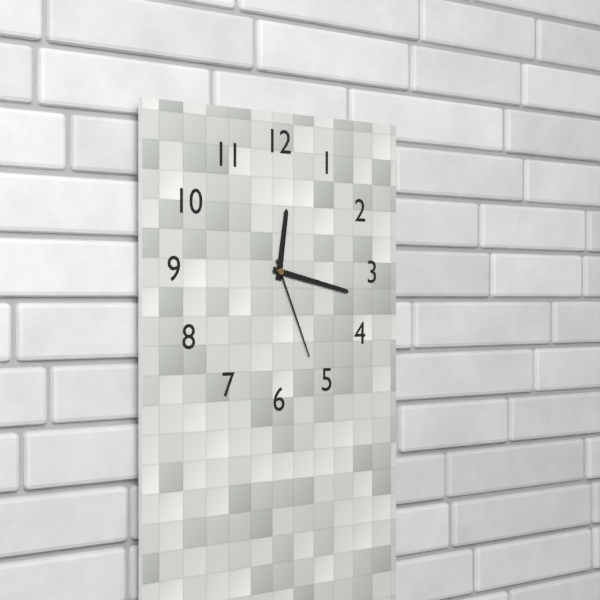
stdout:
{"hour": 12, "minute": 17, "second": 26}
